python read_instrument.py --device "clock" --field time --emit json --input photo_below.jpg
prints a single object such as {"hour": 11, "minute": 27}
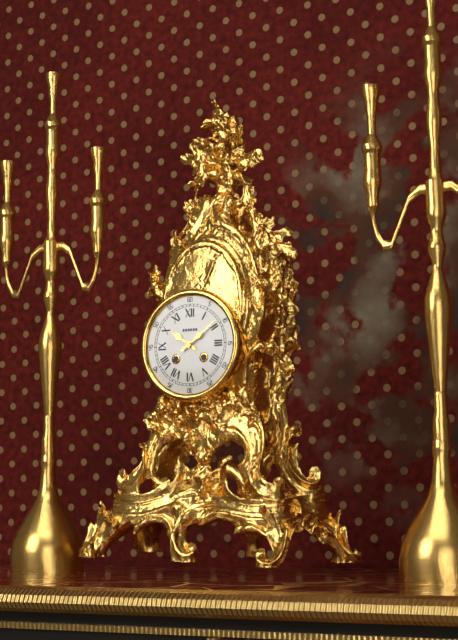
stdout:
{"hour": 10, "minute": 9}
